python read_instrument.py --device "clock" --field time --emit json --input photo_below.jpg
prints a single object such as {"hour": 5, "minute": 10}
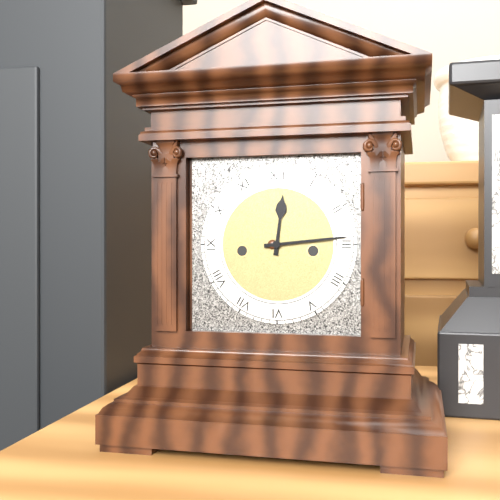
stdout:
{"hour": 12, "minute": 14}
